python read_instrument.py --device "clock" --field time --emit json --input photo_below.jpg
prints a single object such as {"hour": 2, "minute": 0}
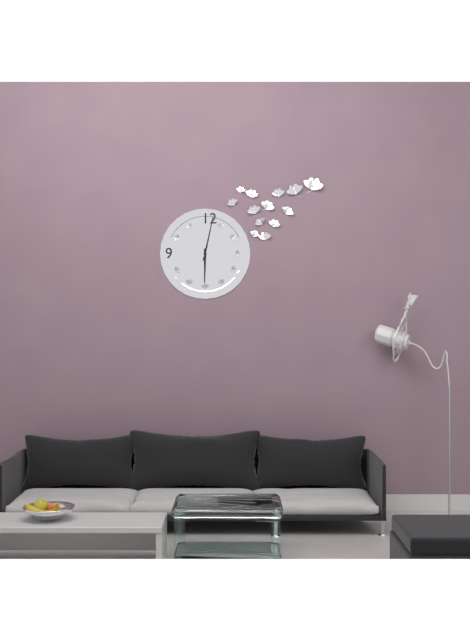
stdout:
{"hour": 6, "minute": 2}
